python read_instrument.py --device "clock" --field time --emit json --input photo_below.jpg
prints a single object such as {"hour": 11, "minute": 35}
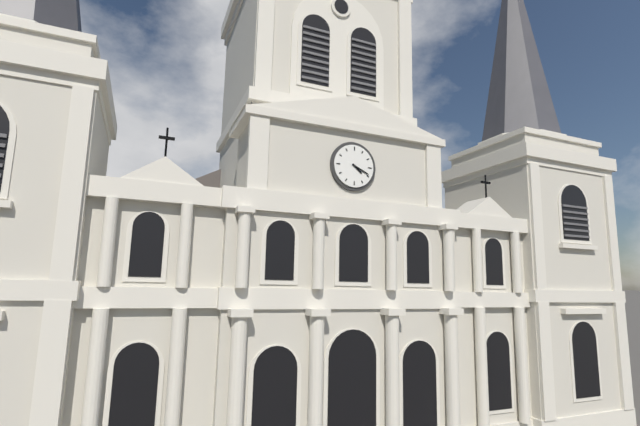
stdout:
{"hour": 4, "minute": 19}
